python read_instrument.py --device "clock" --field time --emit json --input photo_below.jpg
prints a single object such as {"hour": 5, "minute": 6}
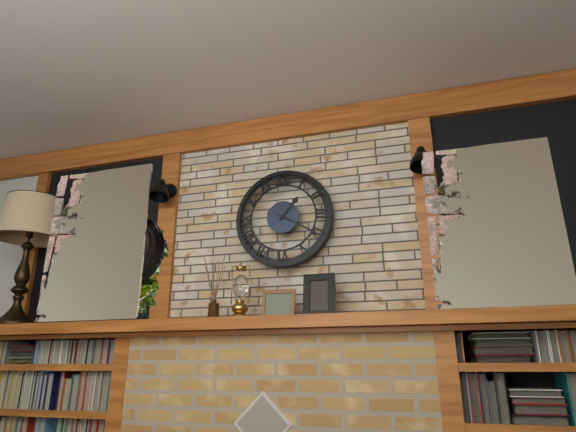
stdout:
{"hour": 1, "minute": 20}
